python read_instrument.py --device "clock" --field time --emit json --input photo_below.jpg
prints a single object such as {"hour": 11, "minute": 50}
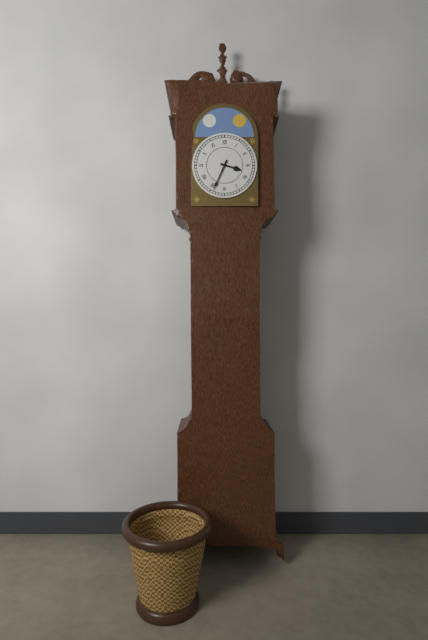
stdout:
{"hour": 3, "minute": 34}
